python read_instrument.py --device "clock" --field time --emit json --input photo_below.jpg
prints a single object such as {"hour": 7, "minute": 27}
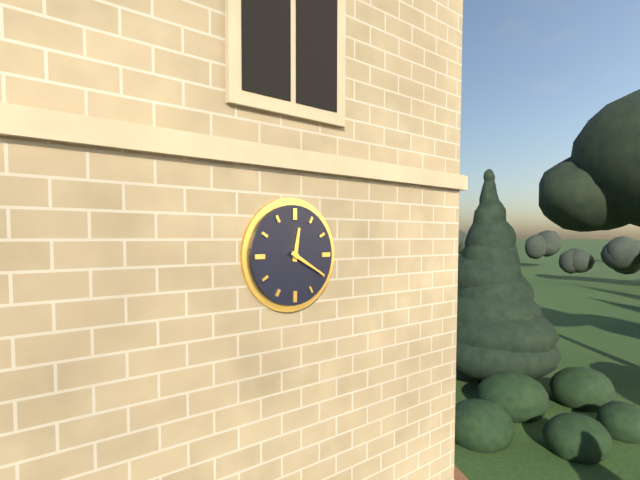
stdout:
{"hour": 12, "minute": 20}
